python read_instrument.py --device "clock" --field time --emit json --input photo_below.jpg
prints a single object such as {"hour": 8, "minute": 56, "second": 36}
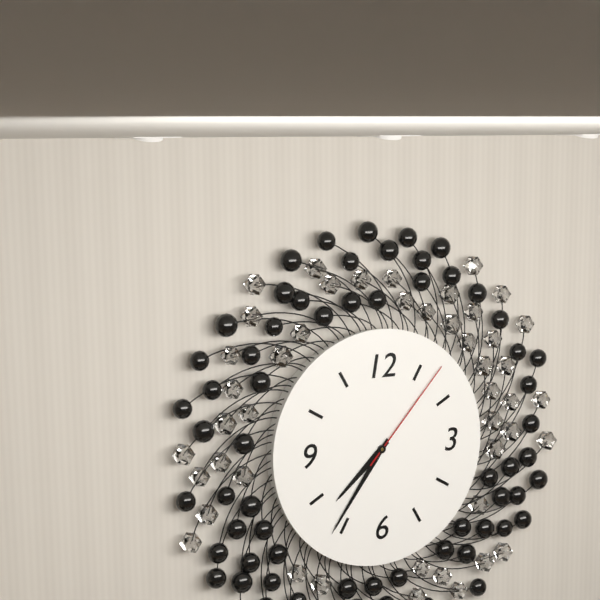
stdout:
{"hour": 7, "minute": 36, "second": 7}
